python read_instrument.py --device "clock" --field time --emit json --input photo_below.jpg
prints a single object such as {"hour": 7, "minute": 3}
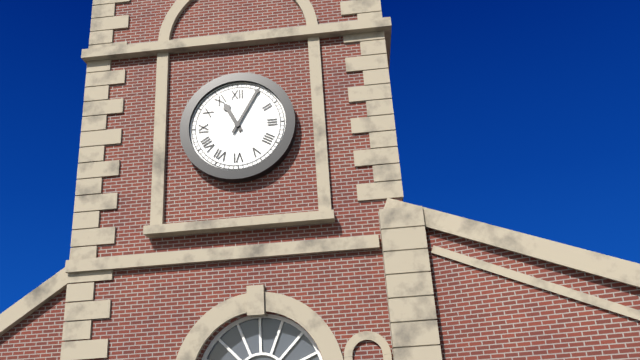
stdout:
{"hour": 11, "minute": 5}
